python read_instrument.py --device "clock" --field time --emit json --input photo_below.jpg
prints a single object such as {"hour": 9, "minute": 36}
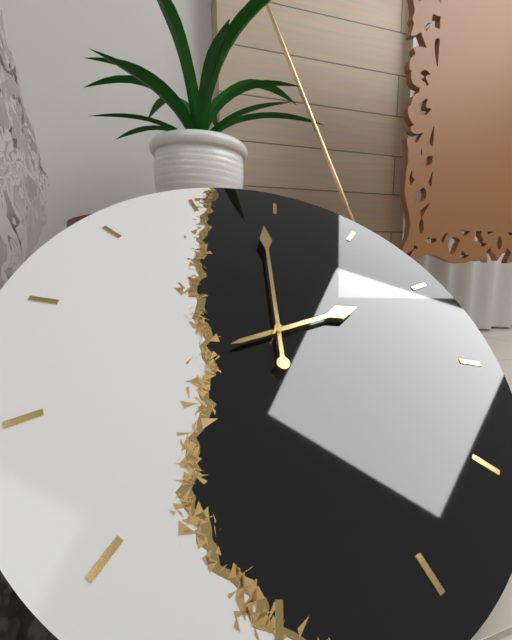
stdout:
{"hour": 3, "minute": 4}
